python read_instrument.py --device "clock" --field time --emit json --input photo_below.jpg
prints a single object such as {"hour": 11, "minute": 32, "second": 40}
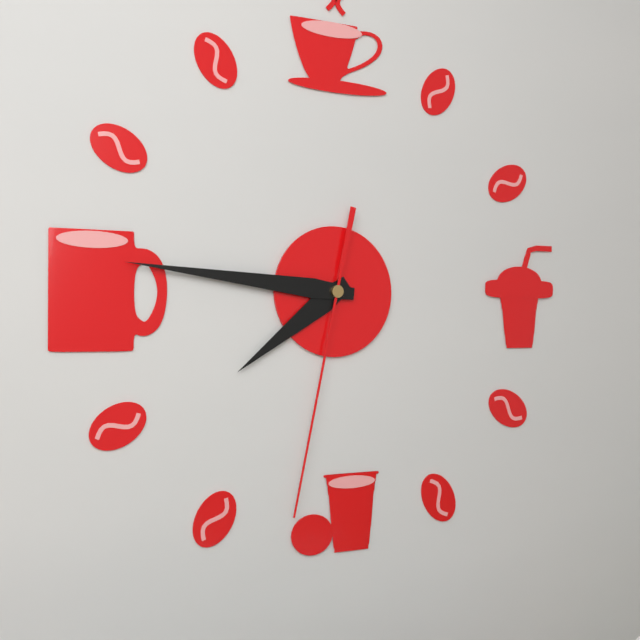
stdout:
{"hour": 7, "minute": 46, "second": 32}
